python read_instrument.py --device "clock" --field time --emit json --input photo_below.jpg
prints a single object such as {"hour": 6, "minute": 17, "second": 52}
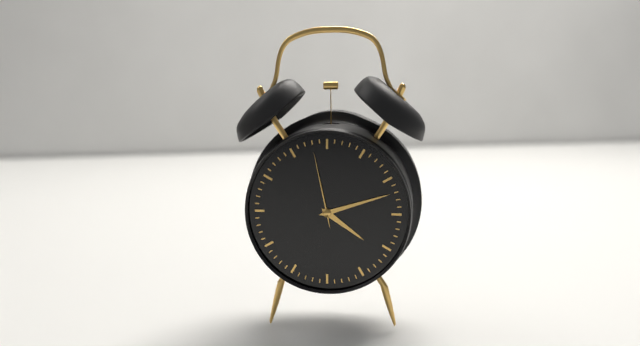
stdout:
{"hour": 4, "minute": 12, "second": 58}
